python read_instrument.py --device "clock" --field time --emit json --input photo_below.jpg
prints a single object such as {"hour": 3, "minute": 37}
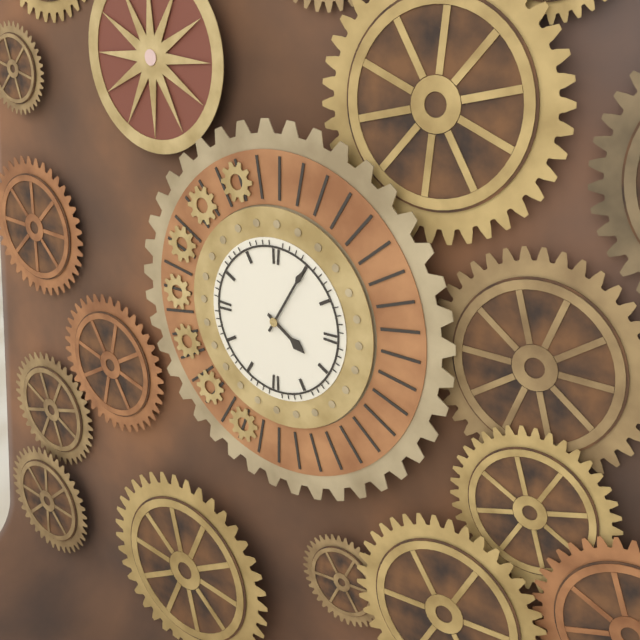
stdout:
{"hour": 4, "minute": 5}
